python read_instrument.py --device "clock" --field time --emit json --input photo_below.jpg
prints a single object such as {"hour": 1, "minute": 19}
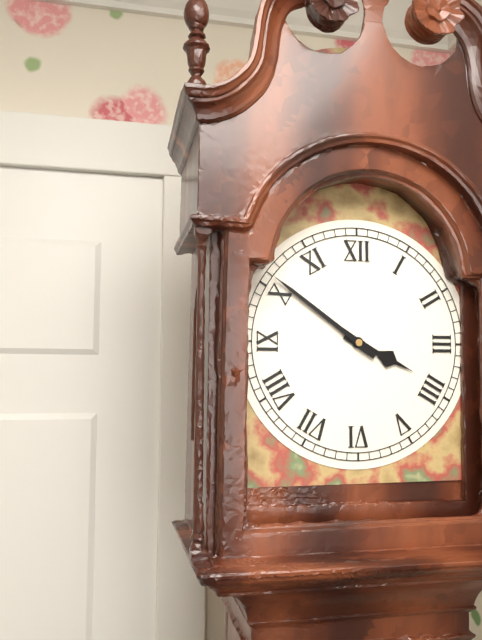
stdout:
{"hour": 3, "minute": 51}
